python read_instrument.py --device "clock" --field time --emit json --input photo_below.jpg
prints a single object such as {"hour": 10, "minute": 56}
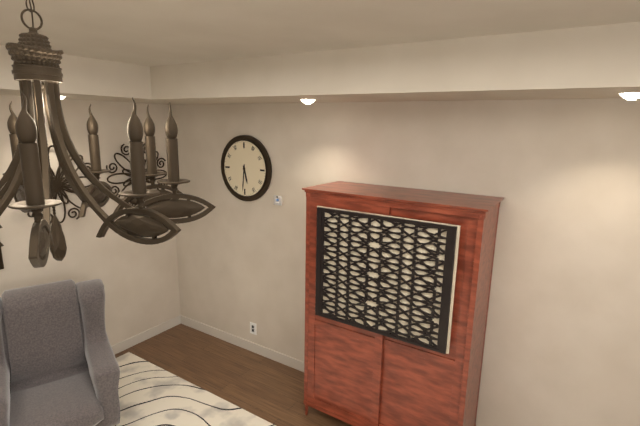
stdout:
{"hour": 5, "minute": 31}
